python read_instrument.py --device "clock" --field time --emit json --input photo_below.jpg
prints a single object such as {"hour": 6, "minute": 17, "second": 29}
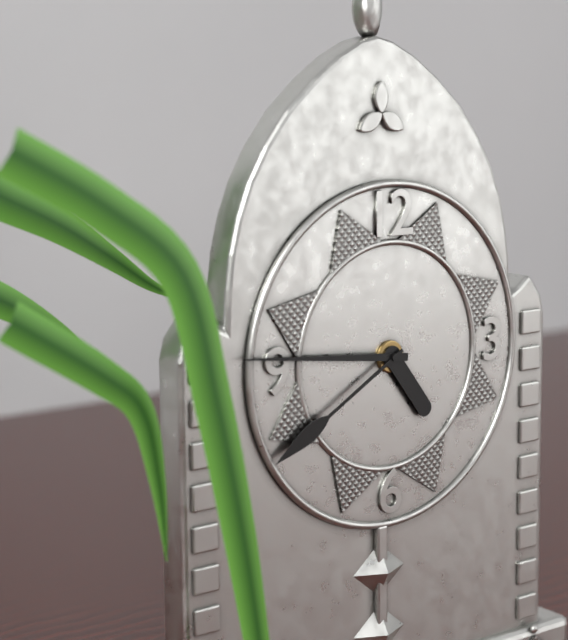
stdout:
{"hour": 4, "minute": 46, "second": 40}
